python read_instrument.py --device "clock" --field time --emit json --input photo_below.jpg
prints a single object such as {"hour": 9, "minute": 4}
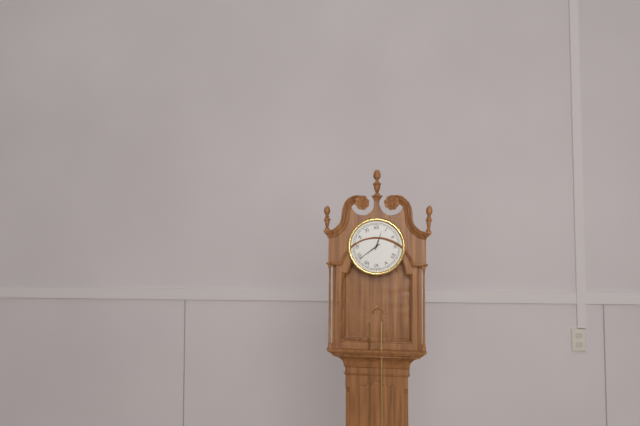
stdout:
{"hour": 12, "minute": 39}
